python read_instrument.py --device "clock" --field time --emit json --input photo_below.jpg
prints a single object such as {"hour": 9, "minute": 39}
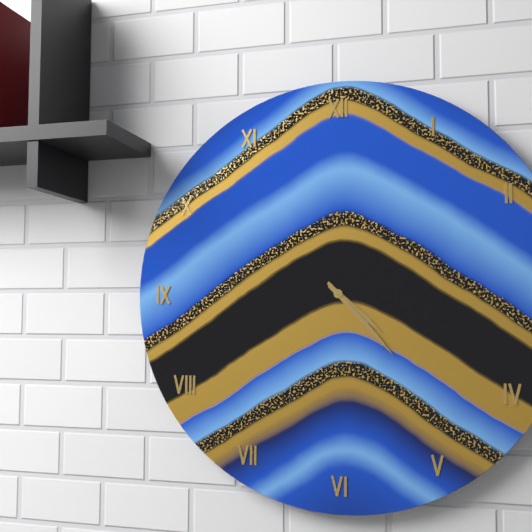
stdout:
{"hour": 4, "minute": 23}
